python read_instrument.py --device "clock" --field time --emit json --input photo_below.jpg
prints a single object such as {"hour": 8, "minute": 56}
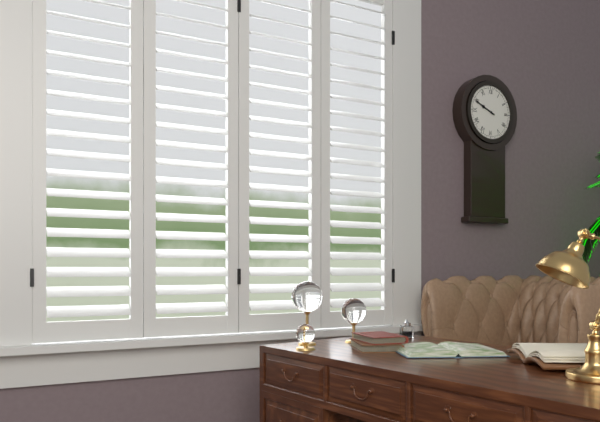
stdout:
{"hour": 9, "minute": 49}
